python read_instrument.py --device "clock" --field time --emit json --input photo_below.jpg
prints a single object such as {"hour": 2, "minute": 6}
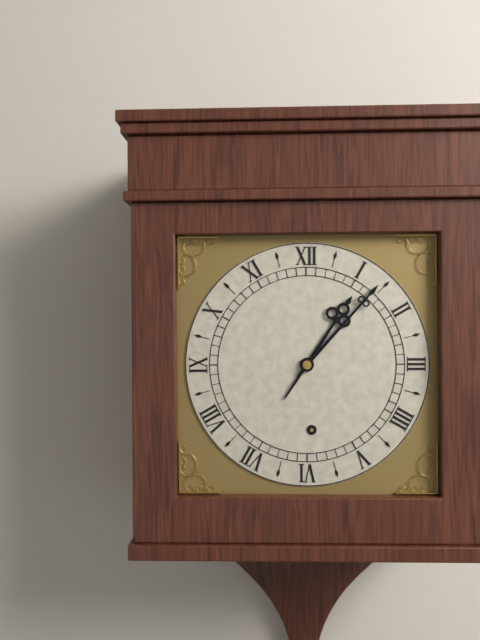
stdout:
{"hour": 1, "minute": 7}
